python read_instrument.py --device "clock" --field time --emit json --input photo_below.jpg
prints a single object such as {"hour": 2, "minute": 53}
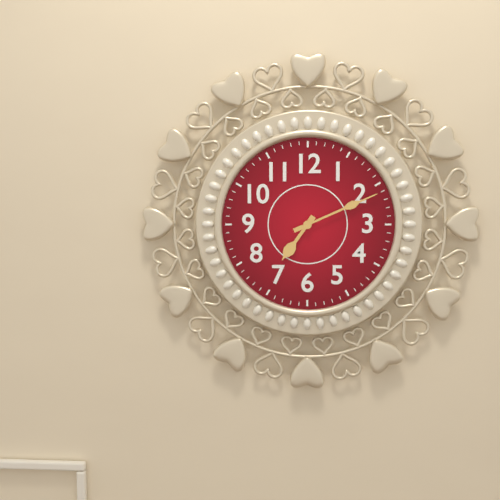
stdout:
{"hour": 7, "minute": 11}
